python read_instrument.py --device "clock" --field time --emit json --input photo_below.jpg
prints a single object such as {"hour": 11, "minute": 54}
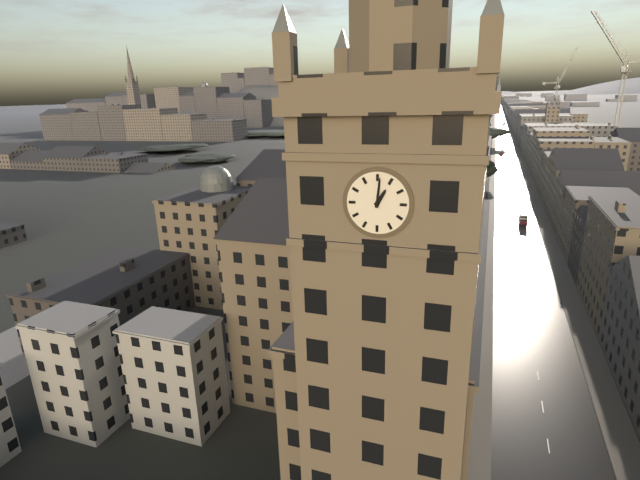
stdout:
{"hour": 1, "minute": 1}
